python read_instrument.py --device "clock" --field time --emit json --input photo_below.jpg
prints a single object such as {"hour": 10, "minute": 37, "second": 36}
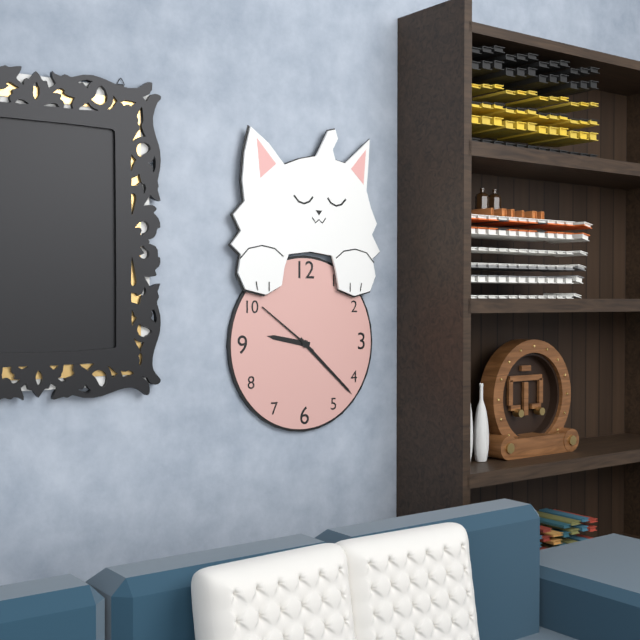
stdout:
{"hour": 9, "minute": 22, "second": 51}
